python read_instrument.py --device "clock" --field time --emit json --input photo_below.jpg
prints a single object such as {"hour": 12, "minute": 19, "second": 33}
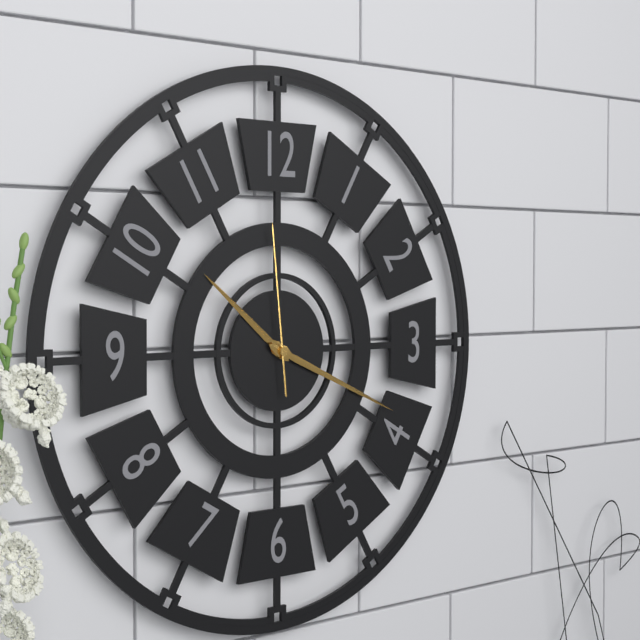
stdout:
{"hour": 10, "minute": 19, "second": 59}
